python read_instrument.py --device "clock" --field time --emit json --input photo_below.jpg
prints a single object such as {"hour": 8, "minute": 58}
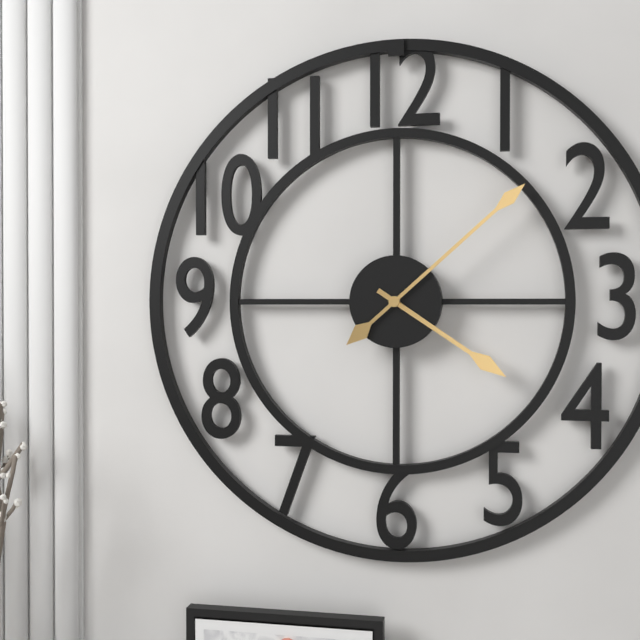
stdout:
{"hour": 4, "minute": 8}
